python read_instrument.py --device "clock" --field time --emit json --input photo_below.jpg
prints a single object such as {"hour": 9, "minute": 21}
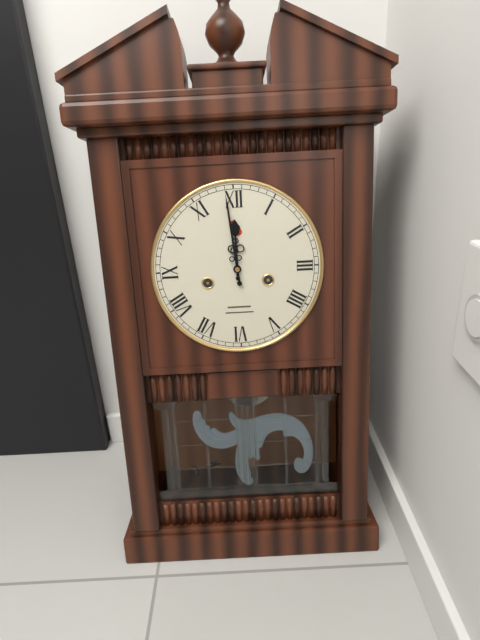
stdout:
{"hour": 11, "minute": 59}
